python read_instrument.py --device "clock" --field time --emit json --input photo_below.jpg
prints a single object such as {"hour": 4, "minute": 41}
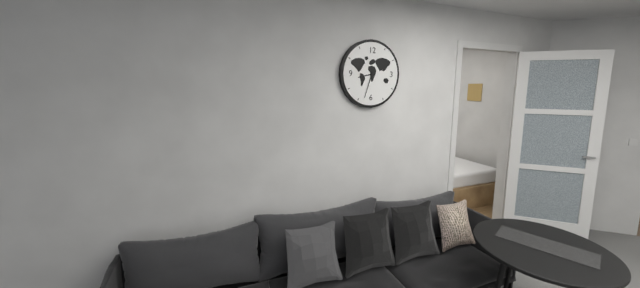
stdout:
{"hour": 8, "minute": 33}
